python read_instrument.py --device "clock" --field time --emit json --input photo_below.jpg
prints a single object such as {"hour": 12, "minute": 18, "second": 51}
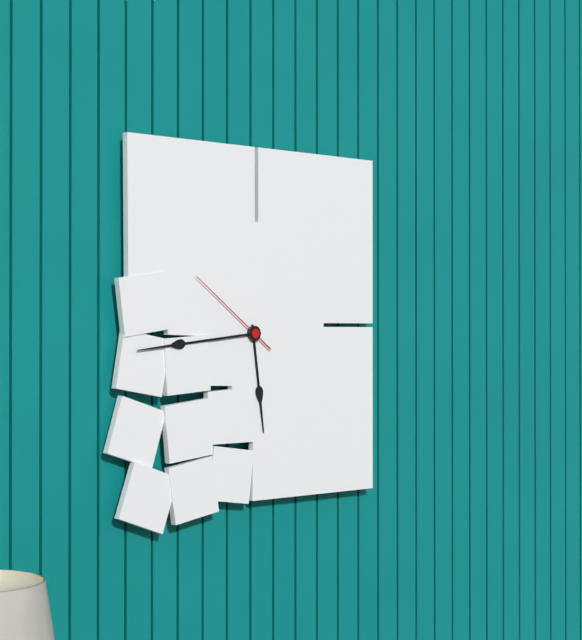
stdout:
{"hour": 5, "minute": 44, "second": 51}
